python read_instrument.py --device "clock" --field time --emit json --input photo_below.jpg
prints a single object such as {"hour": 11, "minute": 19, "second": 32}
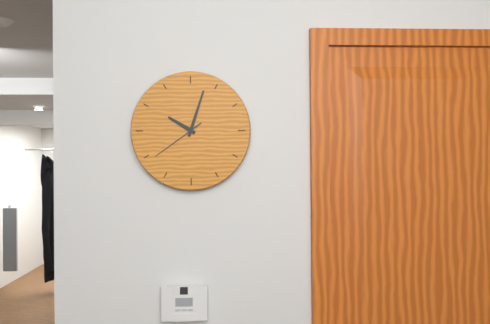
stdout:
{"hour": 10, "minute": 3, "second": 39}
